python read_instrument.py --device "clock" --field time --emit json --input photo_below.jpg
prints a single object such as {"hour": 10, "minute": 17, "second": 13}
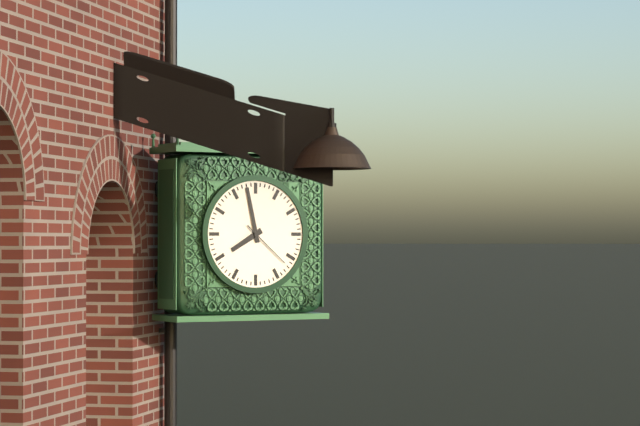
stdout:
{"hour": 7, "minute": 58, "second": 22}
